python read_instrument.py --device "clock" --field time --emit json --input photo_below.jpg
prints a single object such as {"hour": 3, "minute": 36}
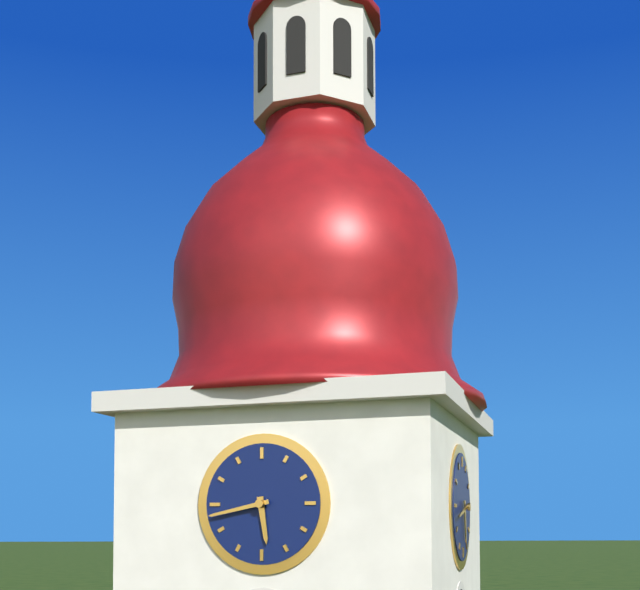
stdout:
{"hour": 5, "minute": 43}
